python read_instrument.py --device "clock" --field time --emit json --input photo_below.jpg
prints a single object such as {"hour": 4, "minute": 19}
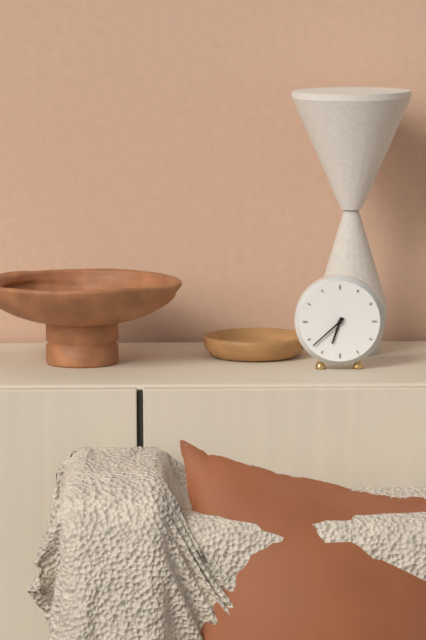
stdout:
{"hour": 6, "minute": 38}
